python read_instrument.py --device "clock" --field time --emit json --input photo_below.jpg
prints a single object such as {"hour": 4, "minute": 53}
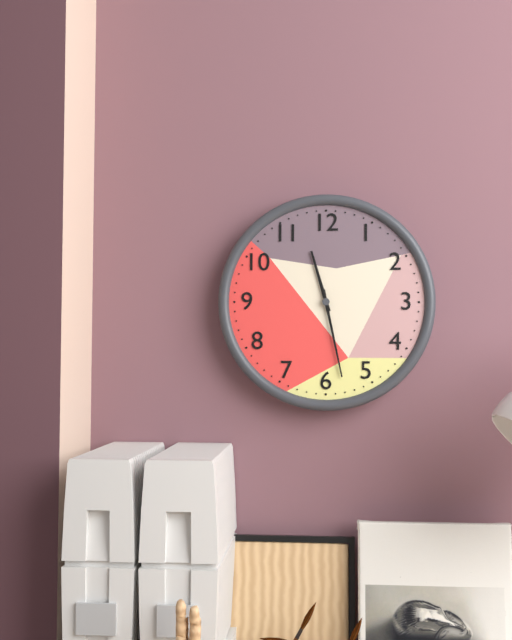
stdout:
{"hour": 11, "minute": 28}
